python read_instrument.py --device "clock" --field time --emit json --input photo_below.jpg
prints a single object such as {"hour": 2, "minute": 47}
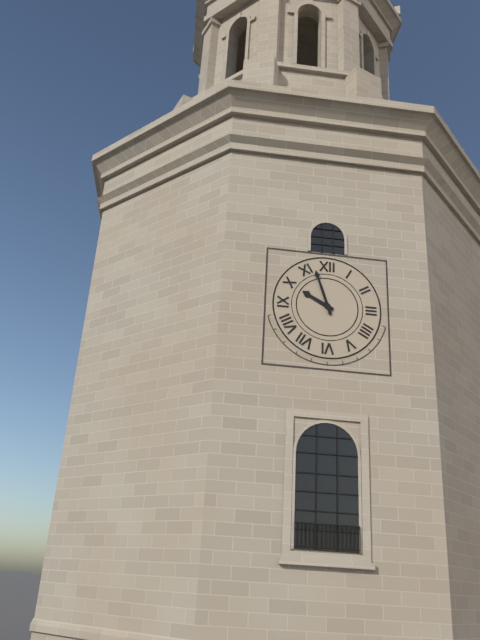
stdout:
{"hour": 9, "minute": 57}
